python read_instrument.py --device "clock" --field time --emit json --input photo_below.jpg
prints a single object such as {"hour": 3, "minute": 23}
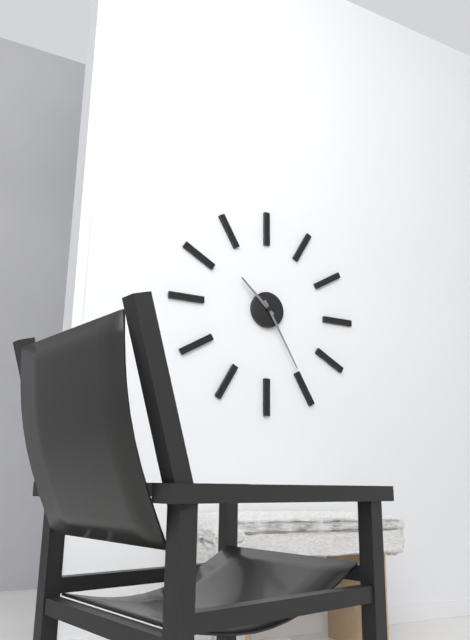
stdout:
{"hour": 10, "minute": 25}
